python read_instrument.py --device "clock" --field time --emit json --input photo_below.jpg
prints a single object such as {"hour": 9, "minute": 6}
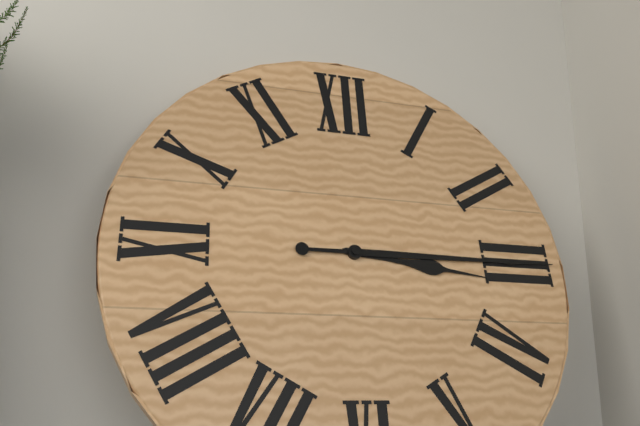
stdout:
{"hour": 3, "minute": 15}
